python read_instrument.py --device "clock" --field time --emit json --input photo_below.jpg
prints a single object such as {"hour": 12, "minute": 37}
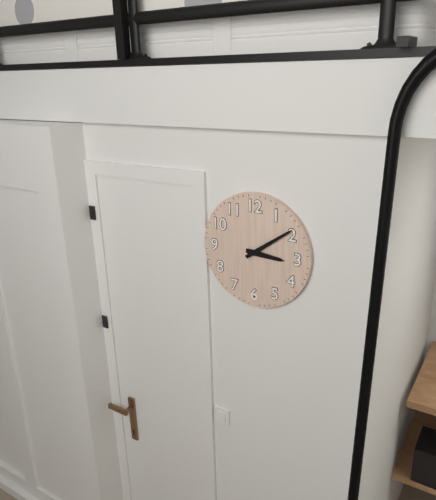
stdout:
{"hour": 3, "minute": 9}
